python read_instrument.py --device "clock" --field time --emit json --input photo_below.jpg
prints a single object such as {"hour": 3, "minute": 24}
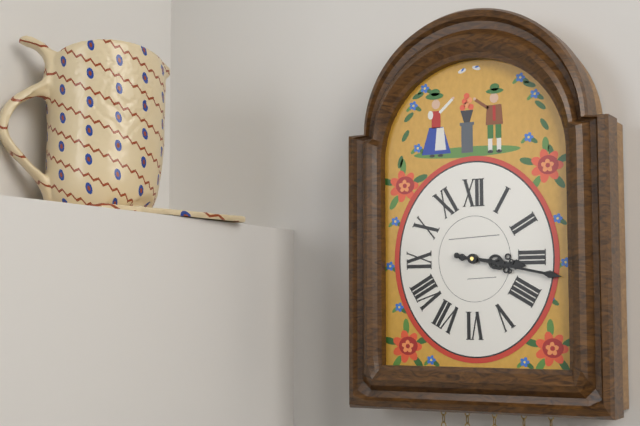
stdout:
{"hour": 3, "minute": 17}
